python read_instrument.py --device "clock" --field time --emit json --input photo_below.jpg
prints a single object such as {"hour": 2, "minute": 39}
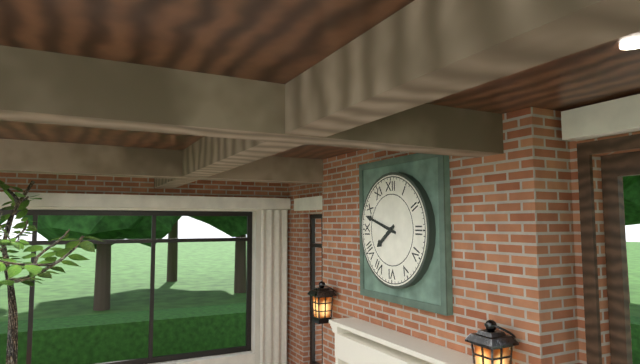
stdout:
{"hour": 7, "minute": 48}
